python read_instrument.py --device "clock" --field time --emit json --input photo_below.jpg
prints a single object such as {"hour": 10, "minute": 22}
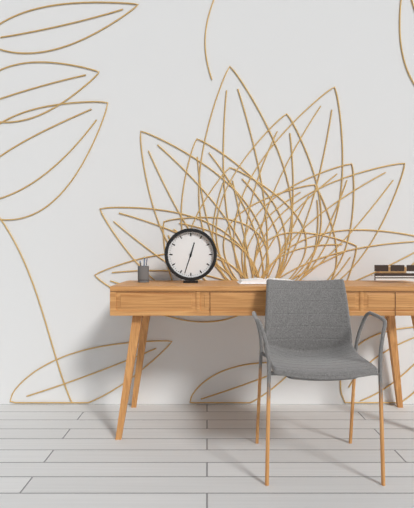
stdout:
{"hour": 12, "minute": 33}
